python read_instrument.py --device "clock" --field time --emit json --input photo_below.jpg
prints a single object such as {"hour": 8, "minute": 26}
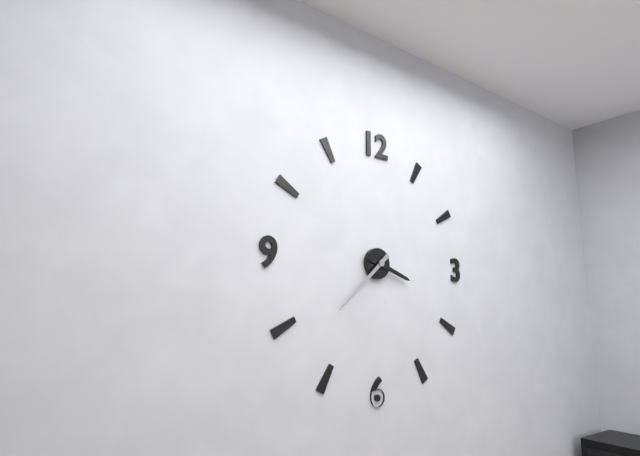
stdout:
{"hour": 3, "minute": 38}
